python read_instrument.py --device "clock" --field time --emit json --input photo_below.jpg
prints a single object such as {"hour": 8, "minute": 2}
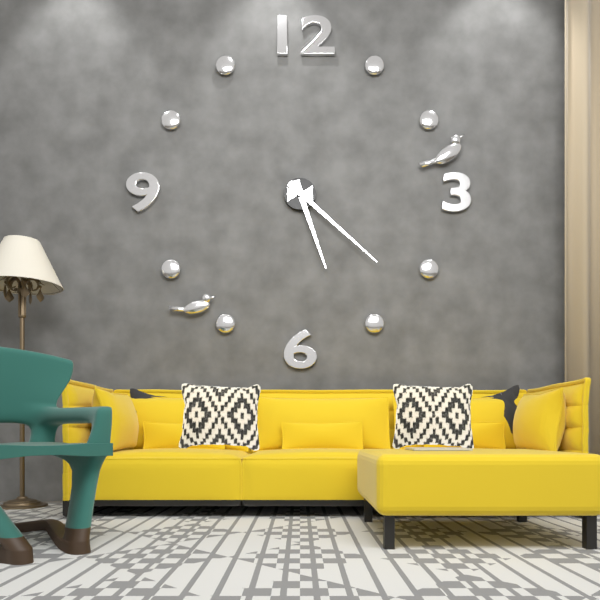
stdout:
{"hour": 5, "minute": 22}
